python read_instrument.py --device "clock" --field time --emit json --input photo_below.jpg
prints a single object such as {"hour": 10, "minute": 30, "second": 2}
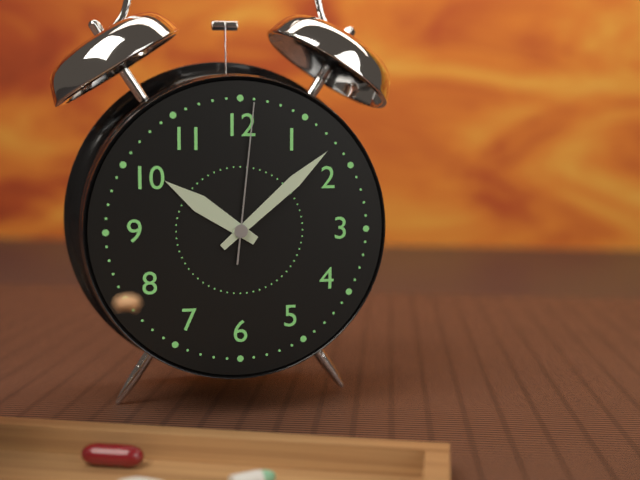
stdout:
{"hour": 10, "minute": 8, "second": 1}
